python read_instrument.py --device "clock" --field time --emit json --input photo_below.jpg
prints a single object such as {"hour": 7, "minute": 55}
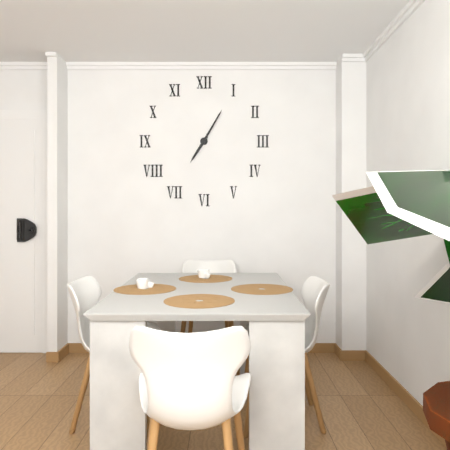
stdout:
{"hour": 7, "minute": 5}
